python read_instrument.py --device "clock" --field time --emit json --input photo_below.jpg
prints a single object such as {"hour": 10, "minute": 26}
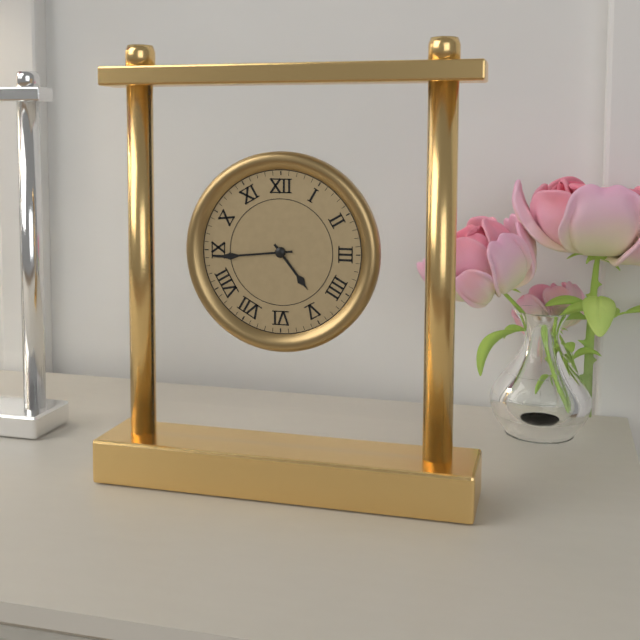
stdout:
{"hour": 4, "minute": 44}
